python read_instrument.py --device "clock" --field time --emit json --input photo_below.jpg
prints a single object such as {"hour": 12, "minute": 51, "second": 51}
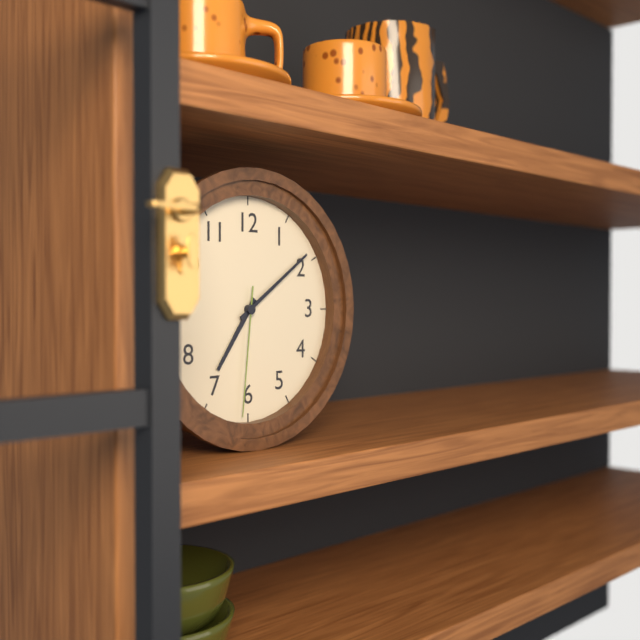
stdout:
{"hour": 7, "minute": 9, "second": 31}
